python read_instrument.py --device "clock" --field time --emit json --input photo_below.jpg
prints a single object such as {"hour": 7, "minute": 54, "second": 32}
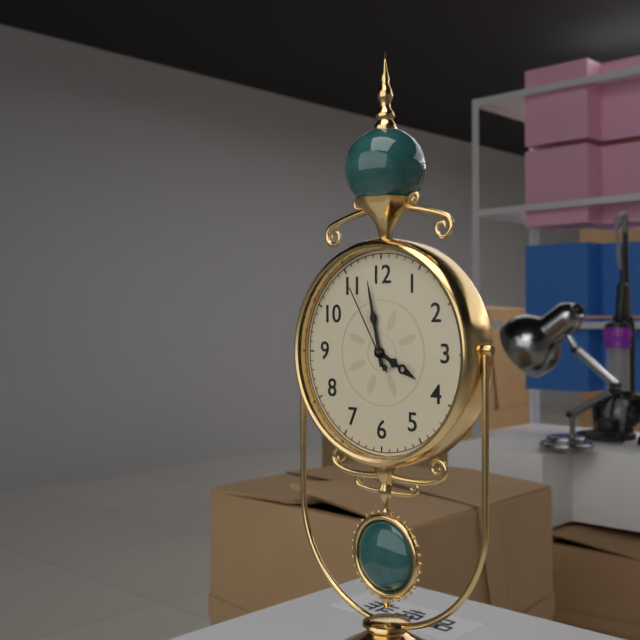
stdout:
{"hour": 3, "minute": 58, "second": 55}
